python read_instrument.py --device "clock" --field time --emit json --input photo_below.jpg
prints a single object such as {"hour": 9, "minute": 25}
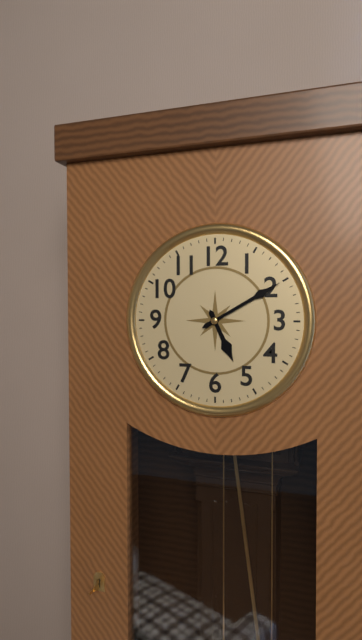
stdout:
{"hour": 5, "minute": 10}
